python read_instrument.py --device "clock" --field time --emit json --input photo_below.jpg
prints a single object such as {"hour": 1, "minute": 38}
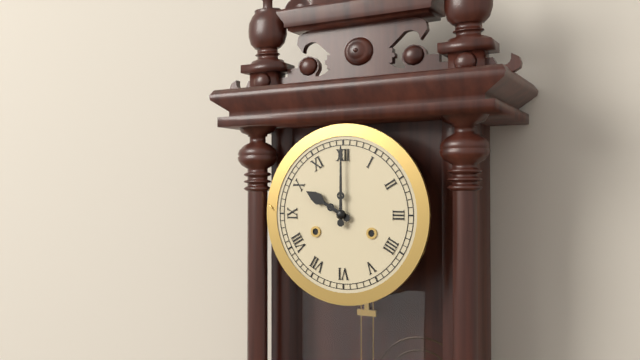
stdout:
{"hour": 10, "minute": 0}
